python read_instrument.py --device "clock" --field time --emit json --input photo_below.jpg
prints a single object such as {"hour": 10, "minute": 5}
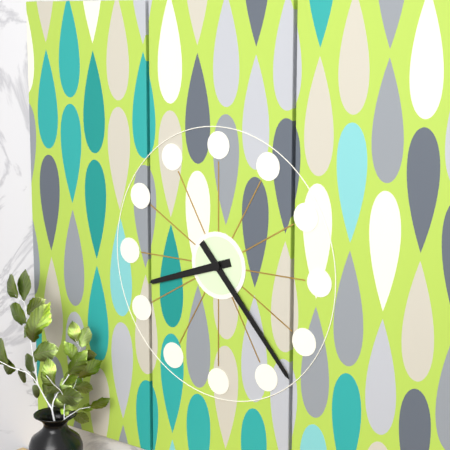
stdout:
{"hour": 8, "minute": 23}
